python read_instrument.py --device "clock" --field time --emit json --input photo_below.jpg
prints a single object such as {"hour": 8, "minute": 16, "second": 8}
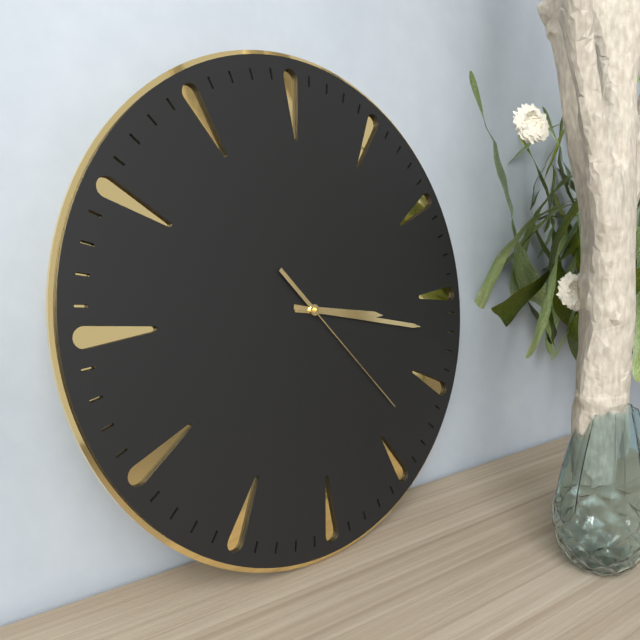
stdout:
{"hour": 3, "minute": 17, "second": 23}
